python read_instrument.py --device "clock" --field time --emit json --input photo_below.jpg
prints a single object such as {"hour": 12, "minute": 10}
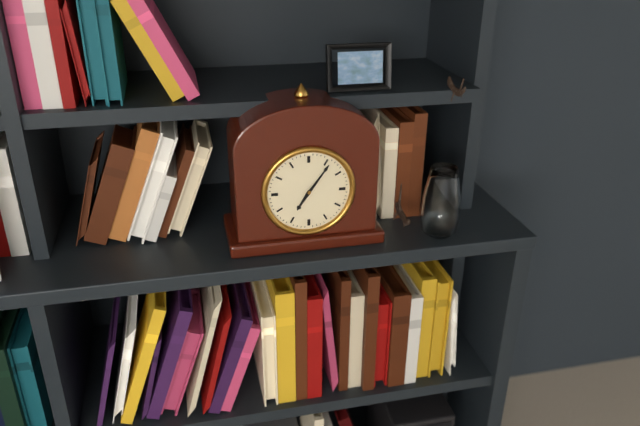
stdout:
{"hour": 7, "minute": 6}
